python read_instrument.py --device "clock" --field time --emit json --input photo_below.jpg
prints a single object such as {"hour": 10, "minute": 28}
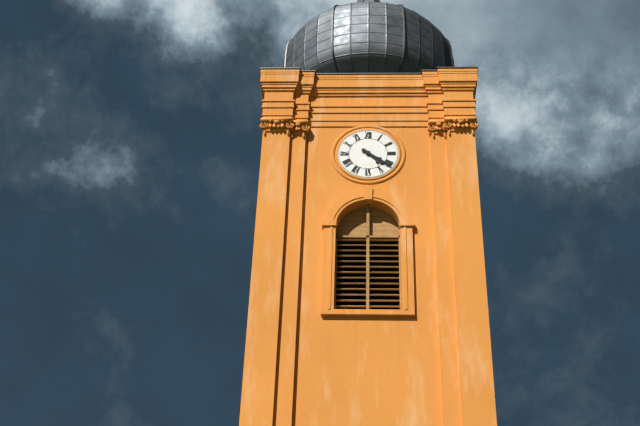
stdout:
{"hour": 4, "minute": 21}
